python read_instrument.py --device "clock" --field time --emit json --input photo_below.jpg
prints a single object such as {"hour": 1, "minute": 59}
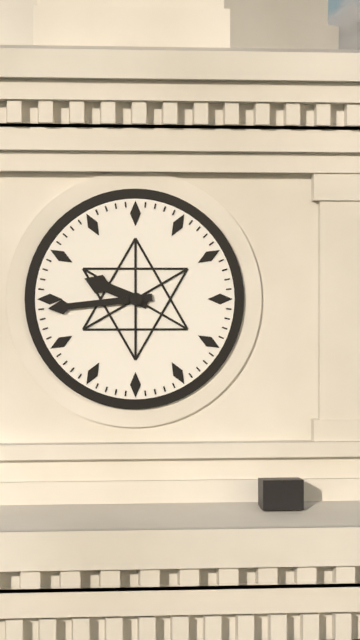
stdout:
{"hour": 9, "minute": 44}
